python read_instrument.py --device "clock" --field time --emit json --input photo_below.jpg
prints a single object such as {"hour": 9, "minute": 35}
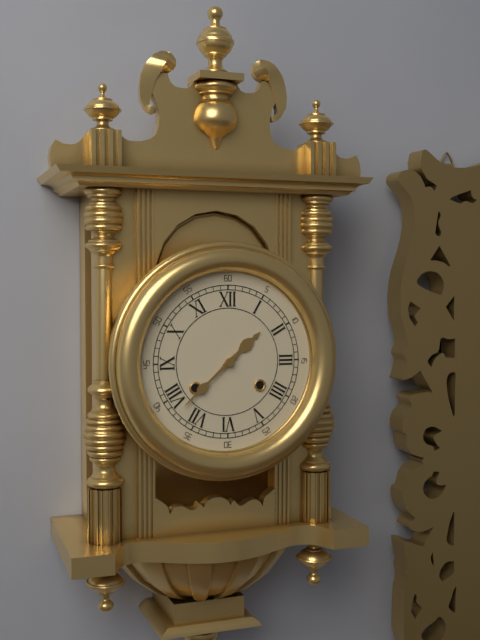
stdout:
{"hour": 1, "minute": 38}
